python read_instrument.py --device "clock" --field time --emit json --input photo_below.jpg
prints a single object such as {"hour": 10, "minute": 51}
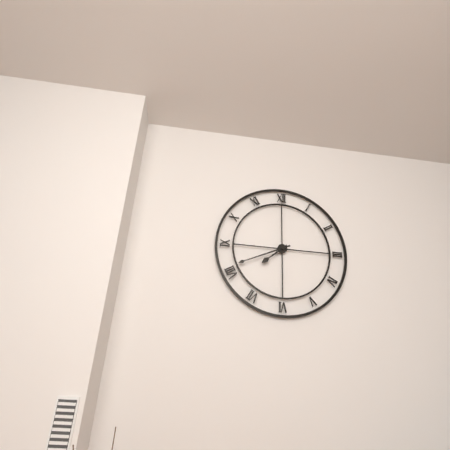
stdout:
{"hour": 7, "minute": 41}
